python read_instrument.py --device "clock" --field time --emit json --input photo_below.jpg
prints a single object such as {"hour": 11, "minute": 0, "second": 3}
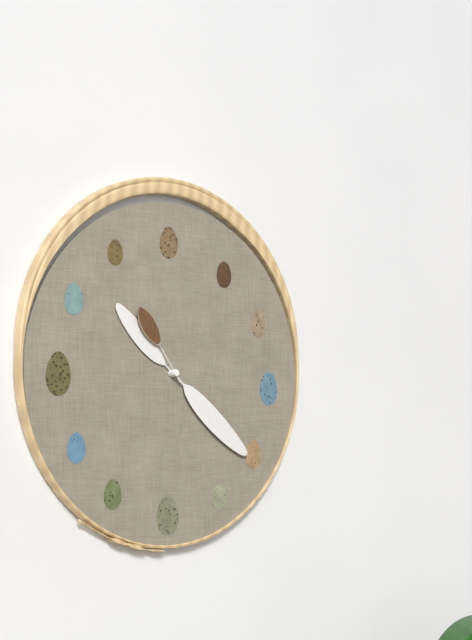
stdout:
{"hour": 10, "minute": 22, "second": 54}
